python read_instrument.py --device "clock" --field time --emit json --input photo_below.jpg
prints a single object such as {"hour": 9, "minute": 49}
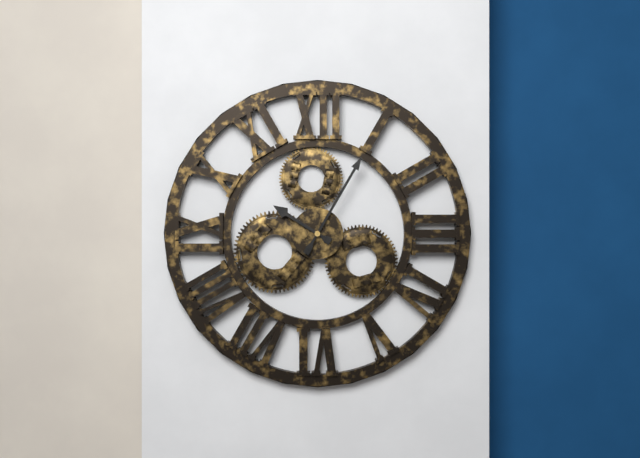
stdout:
{"hour": 10, "minute": 5}
